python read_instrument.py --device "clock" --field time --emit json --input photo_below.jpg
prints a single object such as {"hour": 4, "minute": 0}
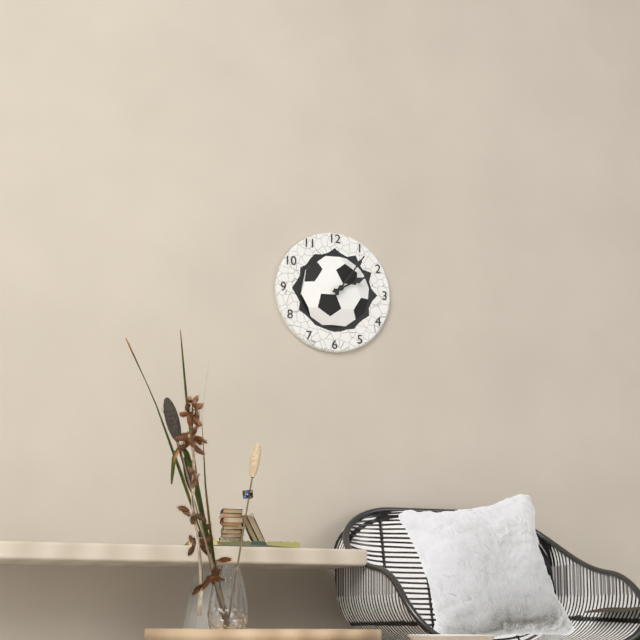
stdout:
{"hour": 2, "minute": 6}
